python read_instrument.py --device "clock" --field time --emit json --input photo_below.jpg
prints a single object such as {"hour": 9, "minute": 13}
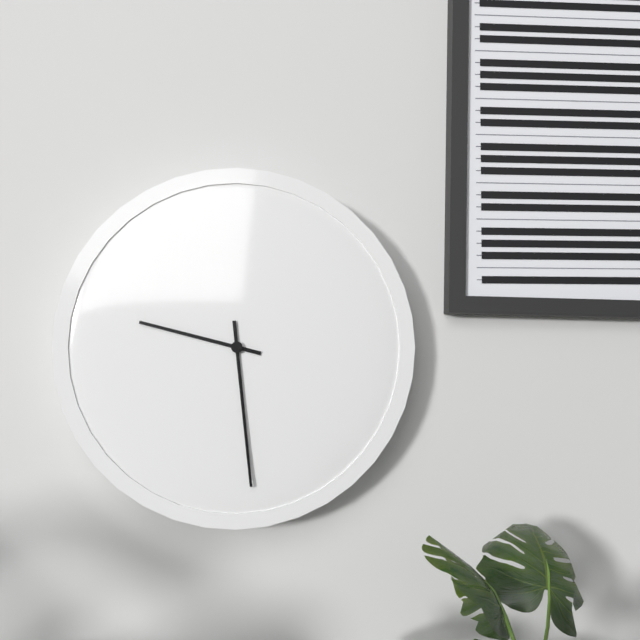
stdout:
{"hour": 9, "minute": 29}
